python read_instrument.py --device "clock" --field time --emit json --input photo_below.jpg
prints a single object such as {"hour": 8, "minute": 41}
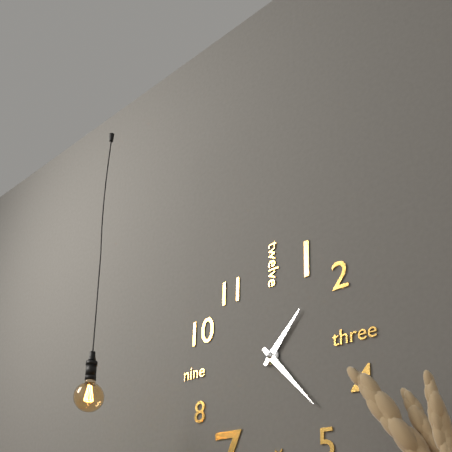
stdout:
{"hour": 1, "minute": 23}
